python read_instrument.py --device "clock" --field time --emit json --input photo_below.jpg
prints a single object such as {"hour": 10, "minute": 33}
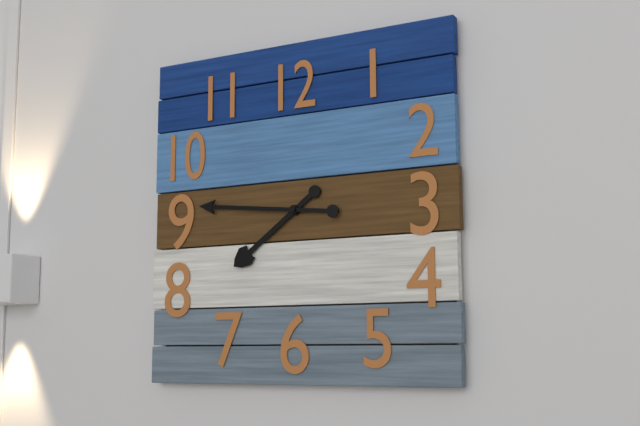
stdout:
{"hour": 7, "minute": 46}
